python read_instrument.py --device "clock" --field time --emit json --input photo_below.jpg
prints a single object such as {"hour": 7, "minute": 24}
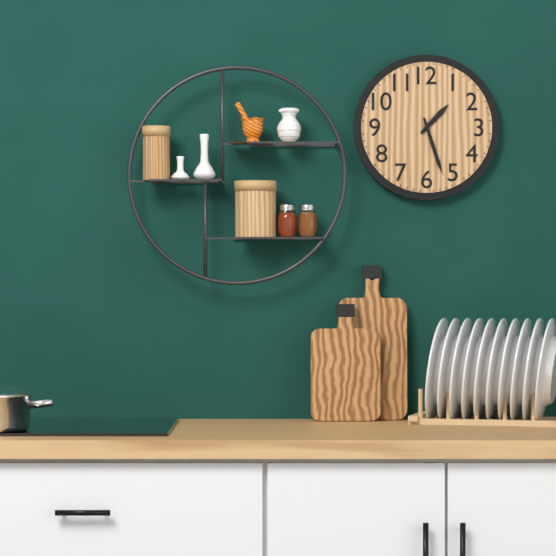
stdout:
{"hour": 1, "minute": 27}
